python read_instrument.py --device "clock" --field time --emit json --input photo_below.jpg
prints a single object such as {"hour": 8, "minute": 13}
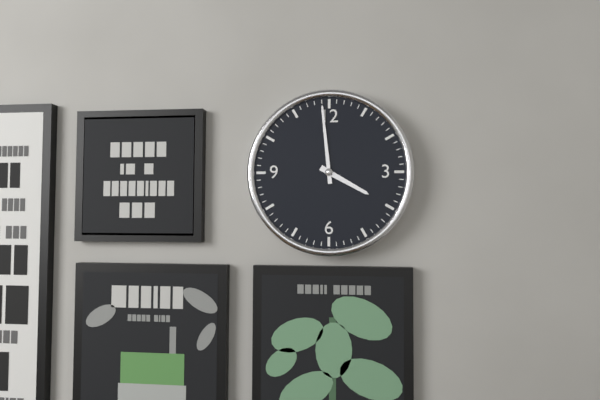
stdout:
{"hour": 3, "minute": 59}
